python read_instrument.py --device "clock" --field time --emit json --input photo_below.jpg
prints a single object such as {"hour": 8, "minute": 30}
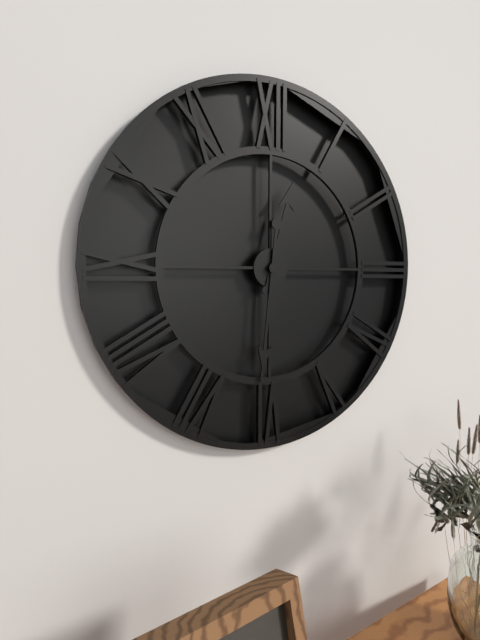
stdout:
{"hour": 12, "minute": 31}
